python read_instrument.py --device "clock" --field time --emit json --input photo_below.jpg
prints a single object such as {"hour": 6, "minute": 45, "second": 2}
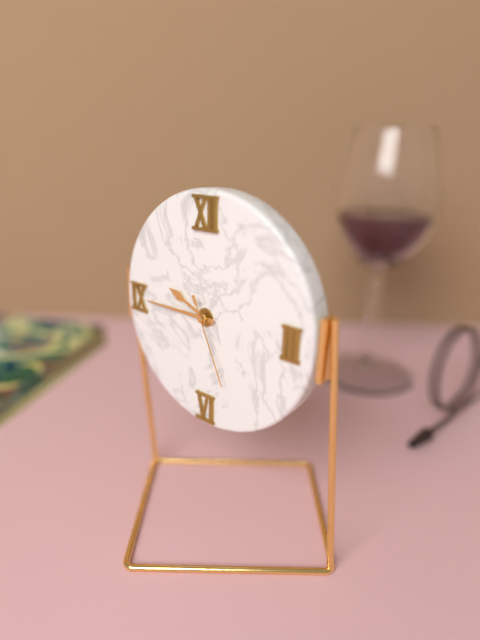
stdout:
{"hour": 9, "minute": 45, "second": 26}
